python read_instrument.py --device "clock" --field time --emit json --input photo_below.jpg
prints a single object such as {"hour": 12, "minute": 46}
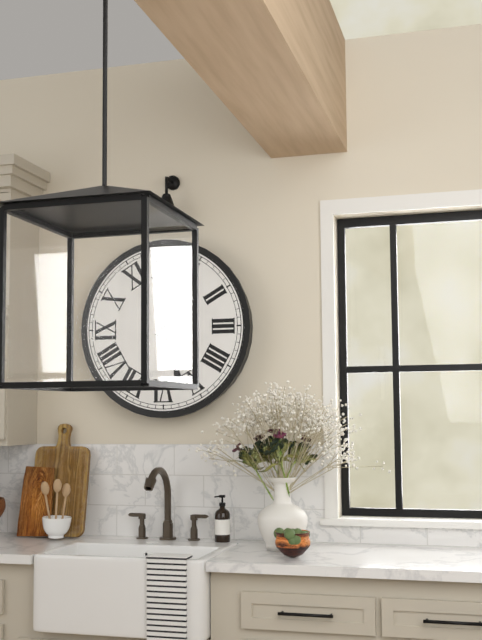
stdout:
{"hour": 1, "minute": 27}
